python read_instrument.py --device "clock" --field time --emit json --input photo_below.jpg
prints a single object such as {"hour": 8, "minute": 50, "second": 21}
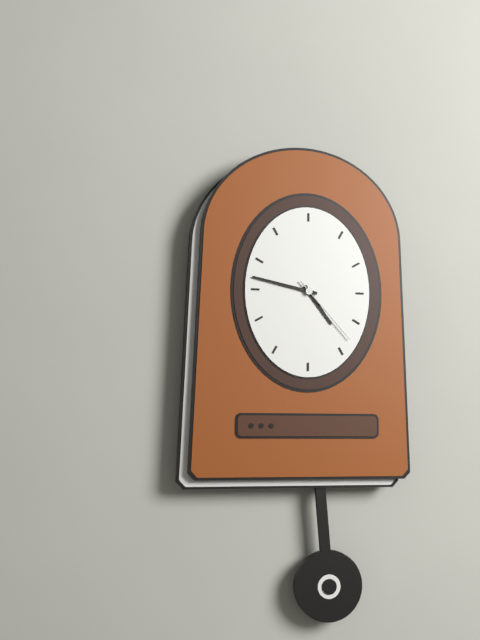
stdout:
{"hour": 4, "minute": 47, "second": 23}
